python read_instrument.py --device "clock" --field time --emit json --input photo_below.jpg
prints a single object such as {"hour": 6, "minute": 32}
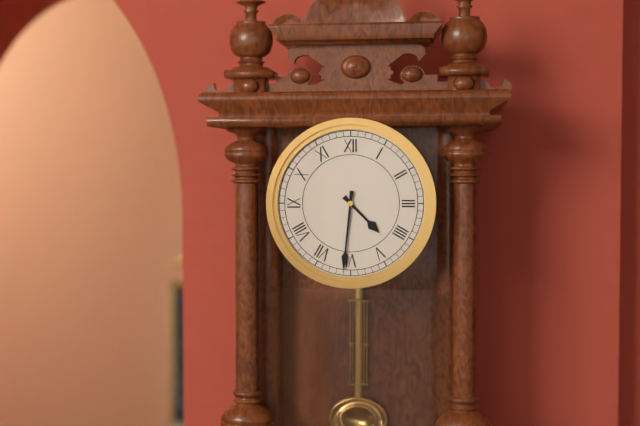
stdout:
{"hour": 4, "minute": 31}
